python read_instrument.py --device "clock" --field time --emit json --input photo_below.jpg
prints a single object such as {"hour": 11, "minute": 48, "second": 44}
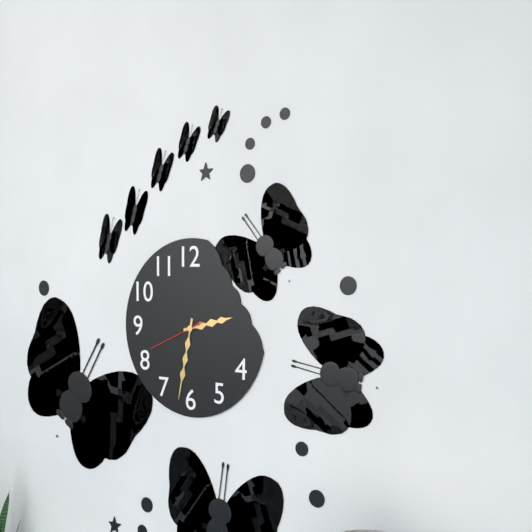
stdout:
{"hour": 2, "minute": 32, "second": 41}
